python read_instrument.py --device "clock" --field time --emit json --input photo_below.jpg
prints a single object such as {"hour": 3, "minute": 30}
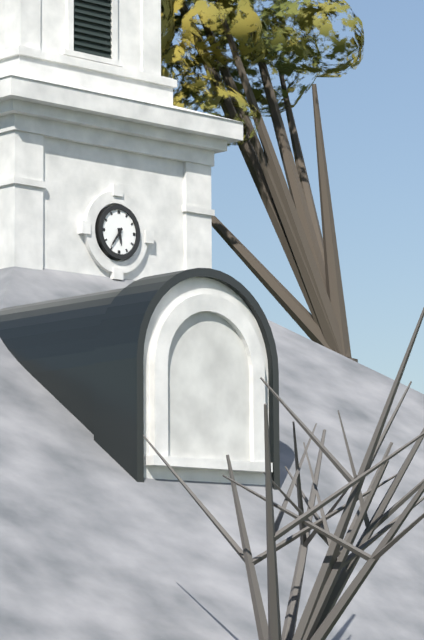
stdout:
{"hour": 5, "minute": 36}
